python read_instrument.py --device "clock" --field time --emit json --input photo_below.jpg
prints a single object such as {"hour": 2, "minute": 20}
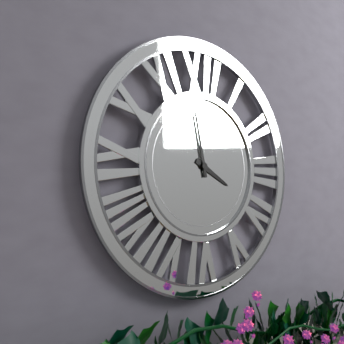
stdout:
{"hour": 3, "minute": 58}
